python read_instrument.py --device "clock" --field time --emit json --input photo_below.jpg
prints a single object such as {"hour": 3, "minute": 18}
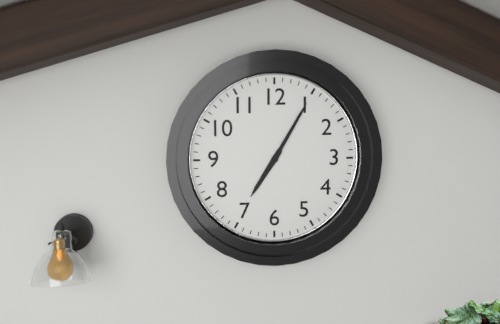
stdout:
{"hour": 7, "minute": 5}
